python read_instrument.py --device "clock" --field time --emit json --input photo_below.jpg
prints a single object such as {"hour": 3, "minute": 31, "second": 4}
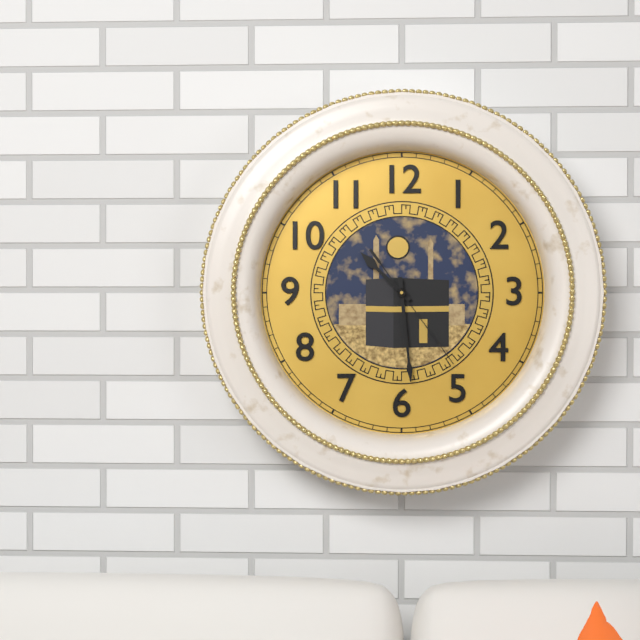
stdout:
{"hour": 10, "minute": 29, "second": 24}
